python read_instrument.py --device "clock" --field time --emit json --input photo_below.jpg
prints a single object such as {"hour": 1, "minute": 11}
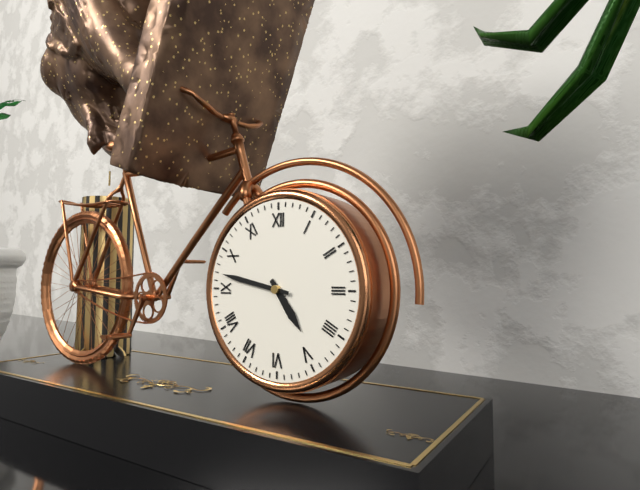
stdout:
{"hour": 4, "minute": 47}
